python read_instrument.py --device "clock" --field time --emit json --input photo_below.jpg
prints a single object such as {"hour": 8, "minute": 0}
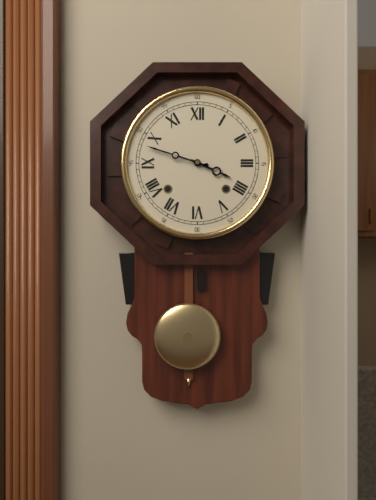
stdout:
{"hour": 3, "minute": 48}
